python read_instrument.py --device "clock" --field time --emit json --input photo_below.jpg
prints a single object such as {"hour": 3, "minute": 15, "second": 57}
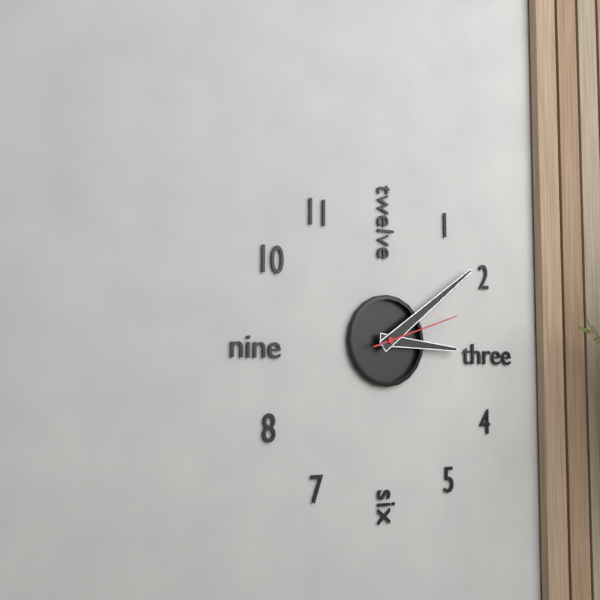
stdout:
{"hour": 3, "minute": 9, "second": 12}
